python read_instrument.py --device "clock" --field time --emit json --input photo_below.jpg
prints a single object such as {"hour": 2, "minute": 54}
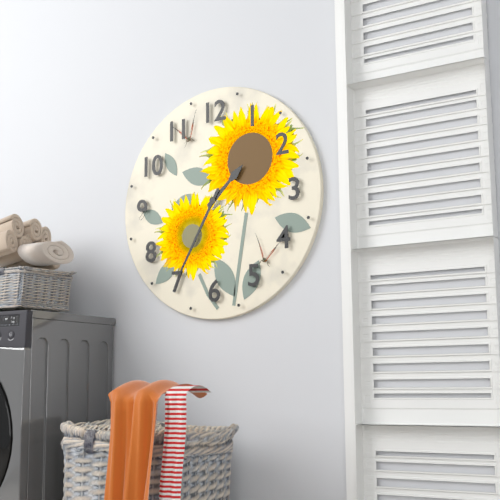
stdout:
{"hour": 1, "minute": 35}
